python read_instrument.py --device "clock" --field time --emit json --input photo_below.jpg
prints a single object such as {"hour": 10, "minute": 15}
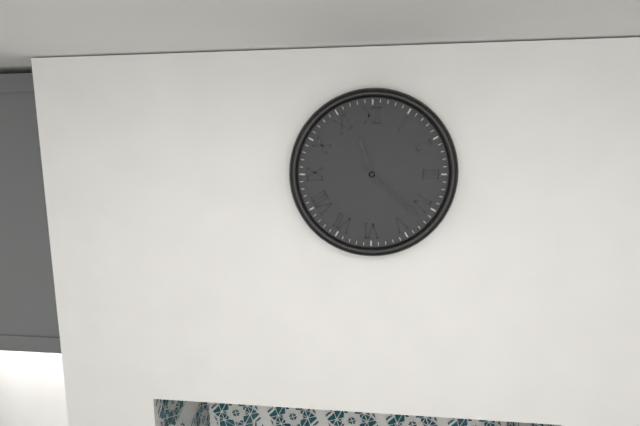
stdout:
{"hour": 11, "minute": 22}
